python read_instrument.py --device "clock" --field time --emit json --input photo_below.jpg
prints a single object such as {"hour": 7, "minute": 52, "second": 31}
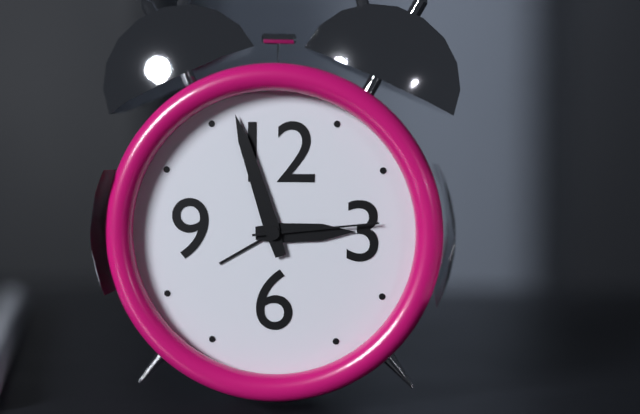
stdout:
{"hour": 2, "minute": 57, "second": 14}
